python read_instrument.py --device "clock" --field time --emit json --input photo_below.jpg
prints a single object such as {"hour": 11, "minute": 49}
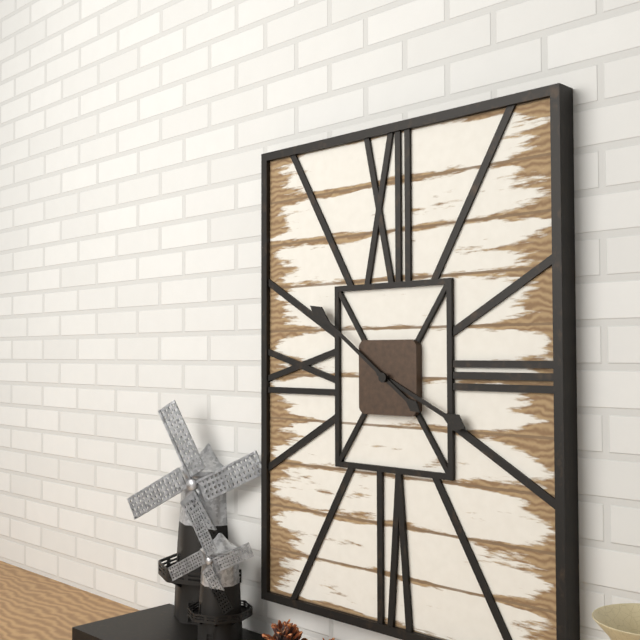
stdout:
{"hour": 3, "minute": 51}
